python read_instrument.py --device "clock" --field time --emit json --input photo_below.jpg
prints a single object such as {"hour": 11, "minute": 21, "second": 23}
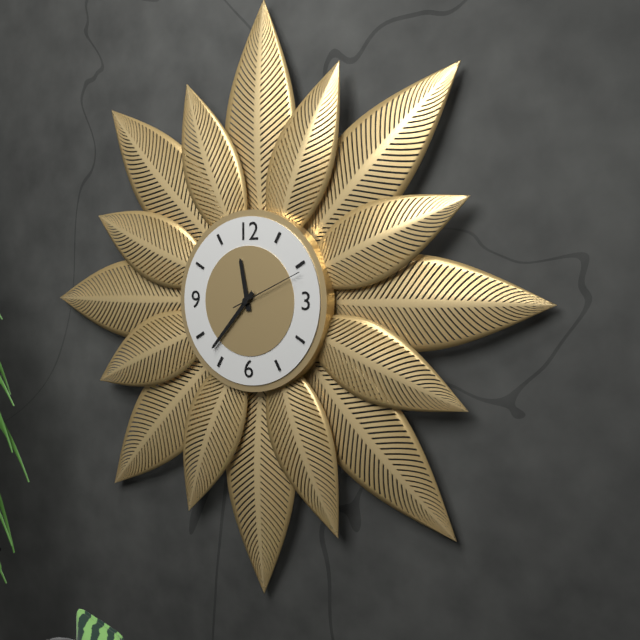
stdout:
{"hour": 11, "minute": 37, "second": 11}
